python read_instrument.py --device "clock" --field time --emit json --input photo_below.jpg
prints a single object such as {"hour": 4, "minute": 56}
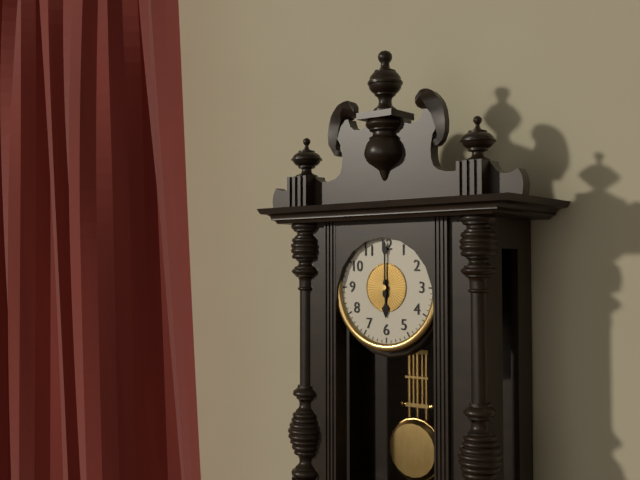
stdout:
{"hour": 6, "minute": 0}
